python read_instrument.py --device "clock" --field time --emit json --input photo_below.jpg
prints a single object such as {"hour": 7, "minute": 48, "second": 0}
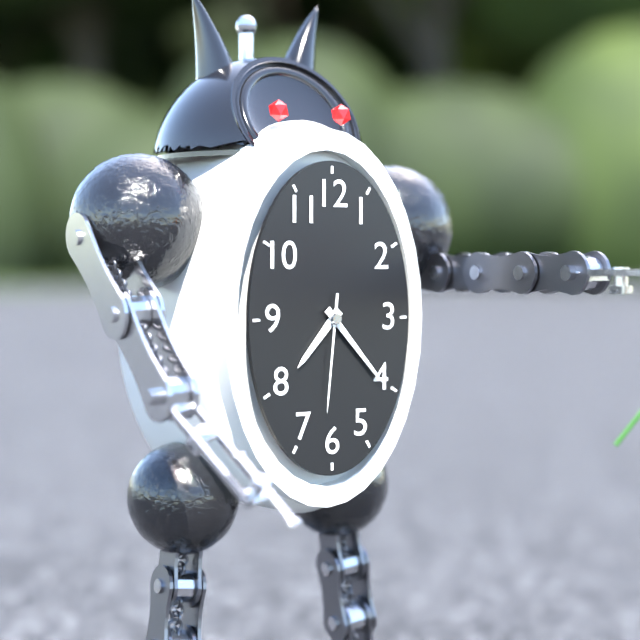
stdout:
{"hour": 7, "minute": 23, "second": 31}
